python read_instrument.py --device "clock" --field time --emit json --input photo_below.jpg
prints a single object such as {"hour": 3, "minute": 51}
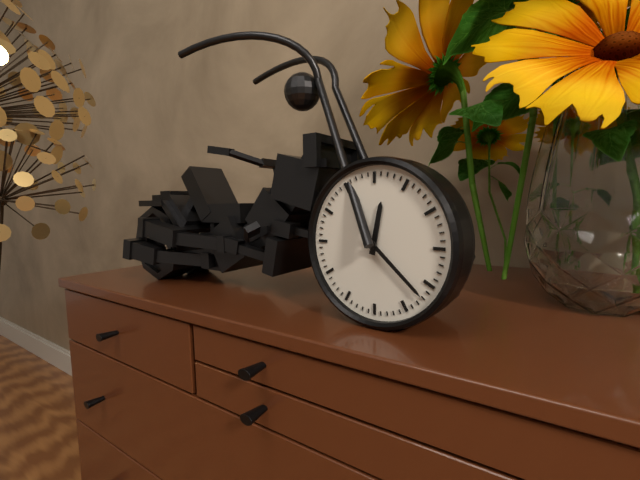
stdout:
{"hour": 12, "minute": 22}
